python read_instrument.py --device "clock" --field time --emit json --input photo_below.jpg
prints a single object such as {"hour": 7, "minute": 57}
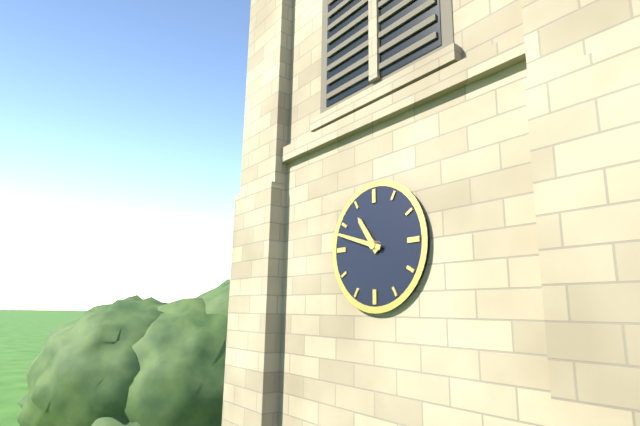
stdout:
{"hour": 10, "minute": 48}
